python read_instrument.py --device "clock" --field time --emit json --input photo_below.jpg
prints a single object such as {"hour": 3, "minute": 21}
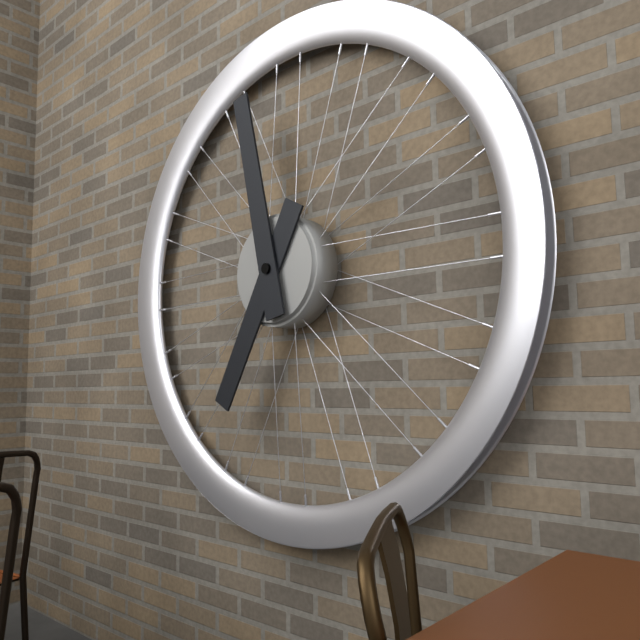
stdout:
{"hour": 6, "minute": 58}
